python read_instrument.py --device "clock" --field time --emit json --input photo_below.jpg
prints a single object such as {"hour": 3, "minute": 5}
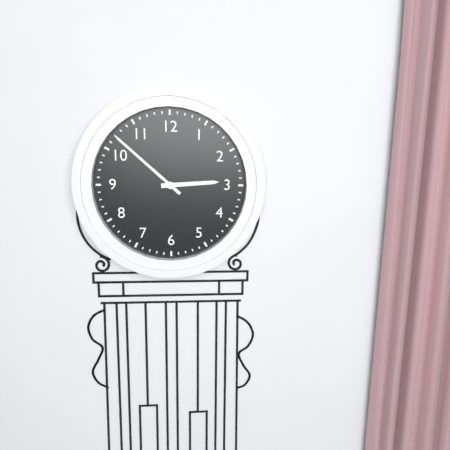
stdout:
{"hour": 2, "minute": 52}
